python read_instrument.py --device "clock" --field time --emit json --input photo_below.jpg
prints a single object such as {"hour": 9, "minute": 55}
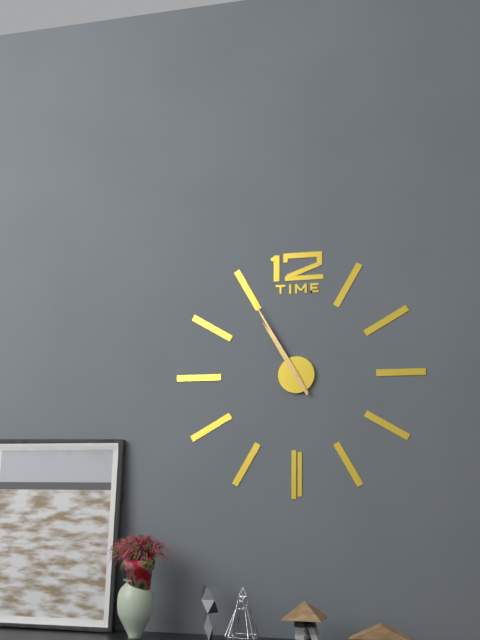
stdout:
{"hour": 10, "minute": 55}
